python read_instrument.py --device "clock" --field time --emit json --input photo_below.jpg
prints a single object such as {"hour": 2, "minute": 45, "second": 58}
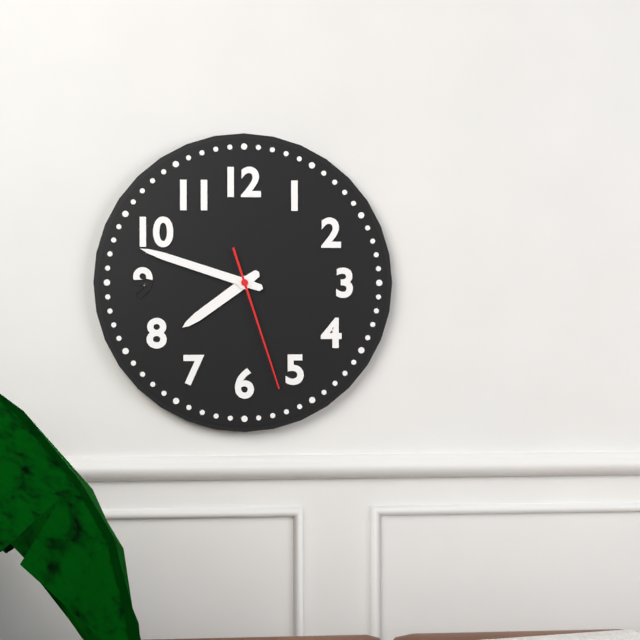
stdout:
{"hour": 7, "minute": 48, "second": 27}
